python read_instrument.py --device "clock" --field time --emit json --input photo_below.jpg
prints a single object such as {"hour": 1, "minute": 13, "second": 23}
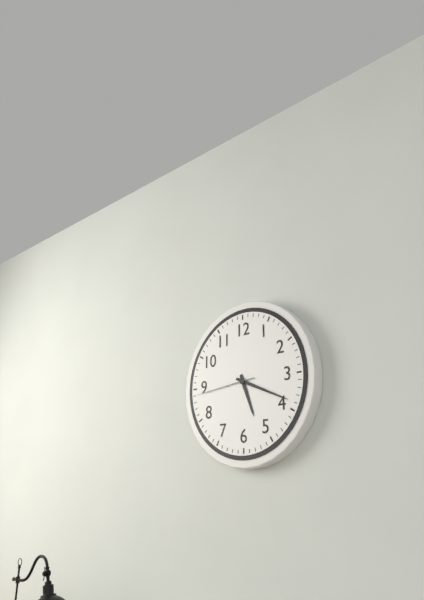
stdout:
{"hour": 5, "minute": 19, "second": 44}
